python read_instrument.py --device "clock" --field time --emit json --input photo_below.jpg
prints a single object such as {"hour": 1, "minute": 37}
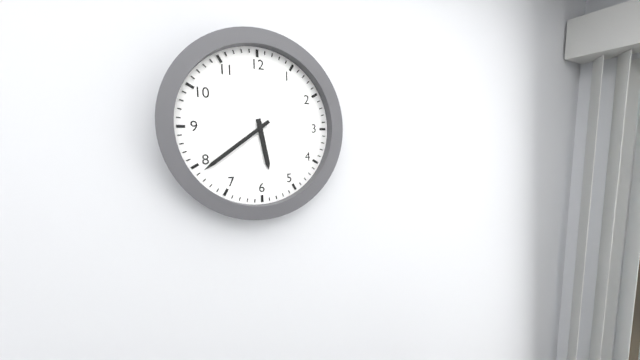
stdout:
{"hour": 5, "minute": 39}
